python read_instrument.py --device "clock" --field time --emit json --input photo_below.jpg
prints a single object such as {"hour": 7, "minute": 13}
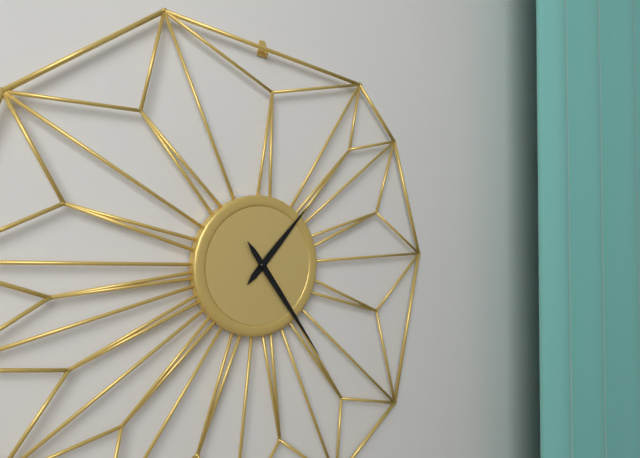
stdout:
{"hour": 1, "minute": 24}
